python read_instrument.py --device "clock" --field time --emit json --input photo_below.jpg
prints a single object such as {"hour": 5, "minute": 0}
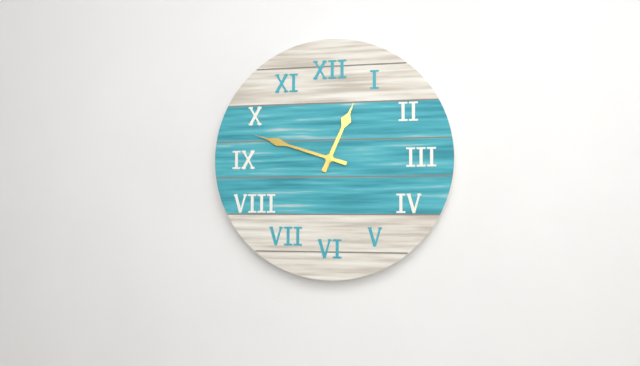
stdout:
{"hour": 12, "minute": 48}
